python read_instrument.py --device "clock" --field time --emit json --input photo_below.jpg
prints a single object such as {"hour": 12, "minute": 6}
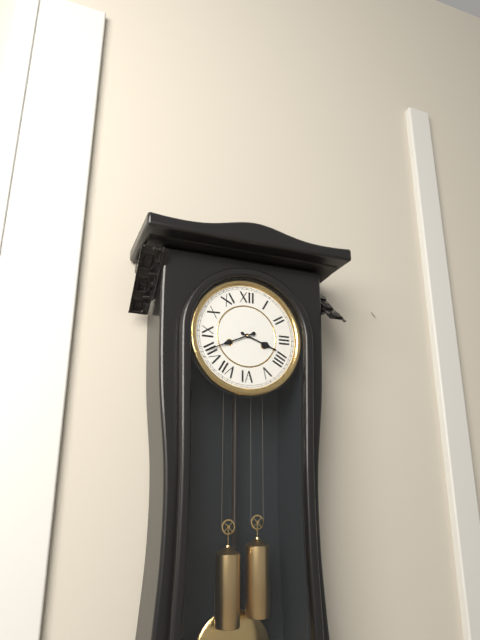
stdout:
{"hour": 3, "minute": 41}
